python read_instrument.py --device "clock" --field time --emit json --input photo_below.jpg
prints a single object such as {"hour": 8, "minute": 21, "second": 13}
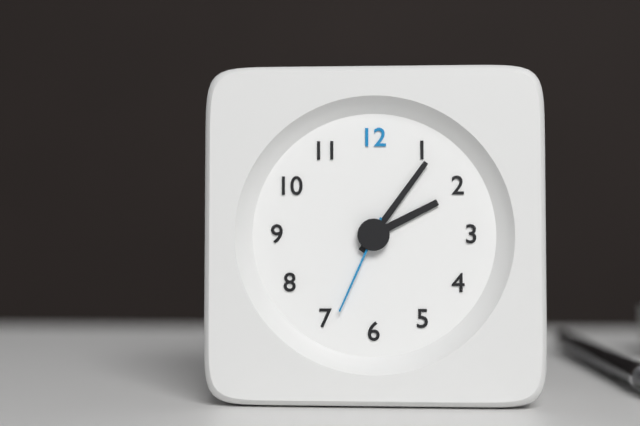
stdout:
{"hour": 2, "minute": 6, "second": 34}
